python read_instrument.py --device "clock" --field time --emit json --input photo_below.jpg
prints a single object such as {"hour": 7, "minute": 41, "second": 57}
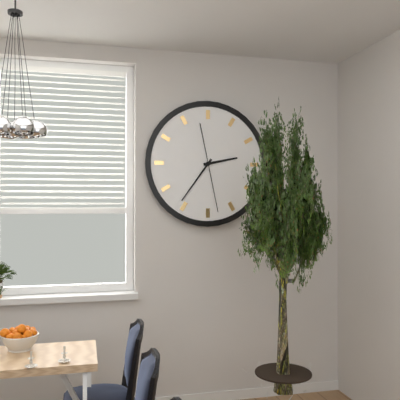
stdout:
{"hour": 2, "minute": 36, "second": 28}
